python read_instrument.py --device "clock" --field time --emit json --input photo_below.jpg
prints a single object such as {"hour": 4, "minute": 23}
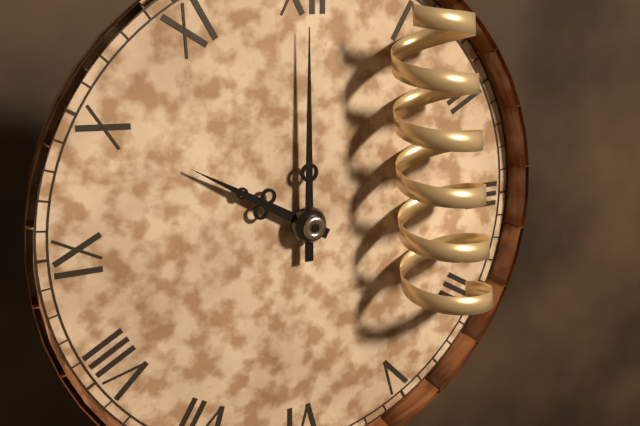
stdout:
{"hour": 10, "minute": 0}
